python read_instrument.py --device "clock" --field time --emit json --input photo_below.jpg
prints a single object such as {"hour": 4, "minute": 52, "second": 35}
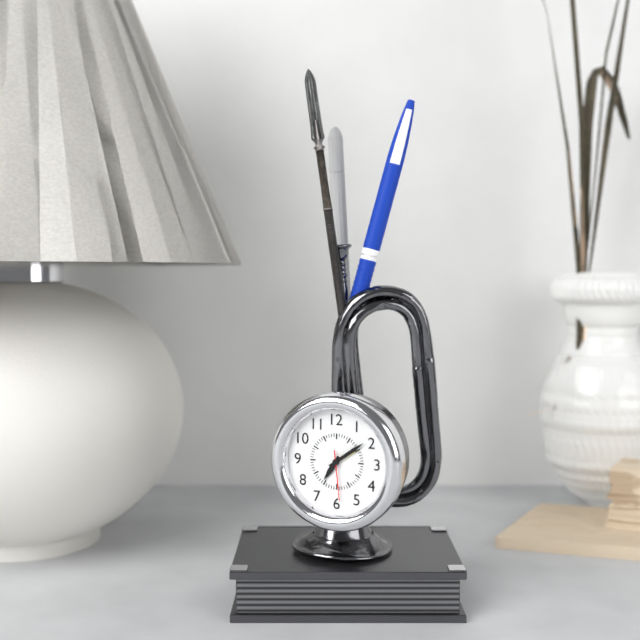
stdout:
{"hour": 7, "minute": 9, "second": 29}
